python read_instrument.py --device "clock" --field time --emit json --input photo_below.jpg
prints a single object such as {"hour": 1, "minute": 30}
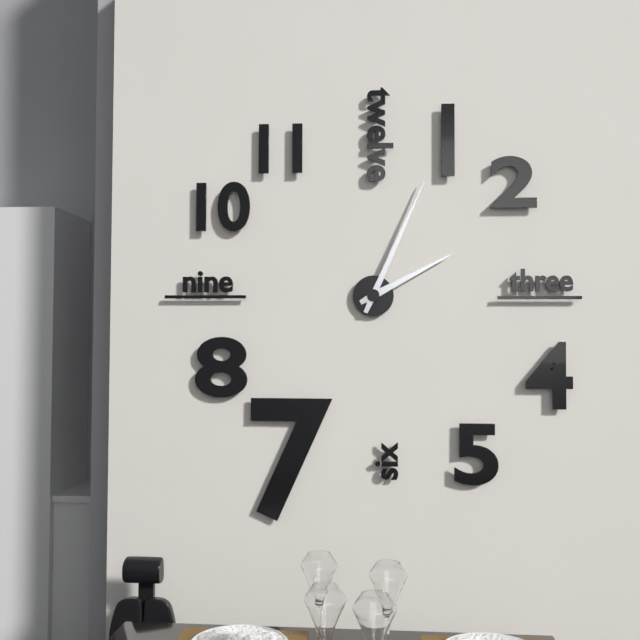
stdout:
{"hour": 2, "minute": 4}
